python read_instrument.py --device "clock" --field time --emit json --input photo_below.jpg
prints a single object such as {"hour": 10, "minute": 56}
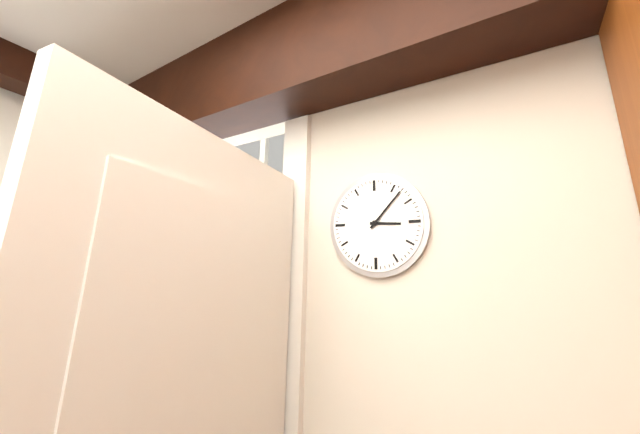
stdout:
{"hour": 3, "minute": 7}
